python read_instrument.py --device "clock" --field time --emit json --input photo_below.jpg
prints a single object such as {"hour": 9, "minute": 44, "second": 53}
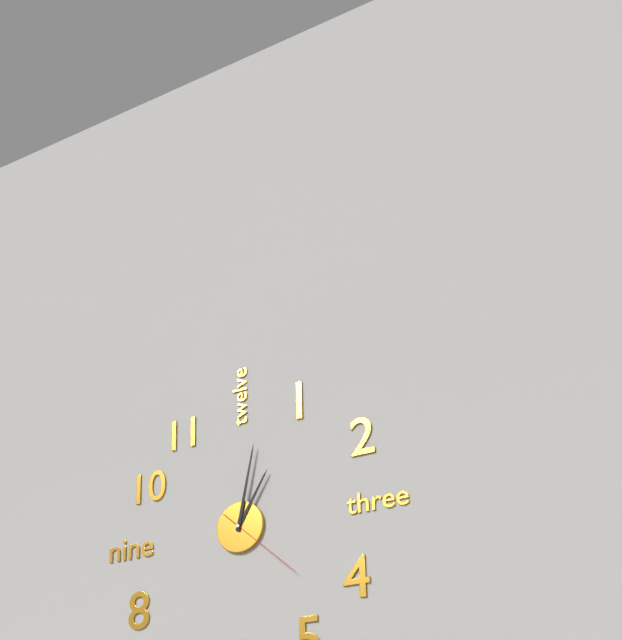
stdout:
{"hour": 1, "minute": 2, "second": 22}
